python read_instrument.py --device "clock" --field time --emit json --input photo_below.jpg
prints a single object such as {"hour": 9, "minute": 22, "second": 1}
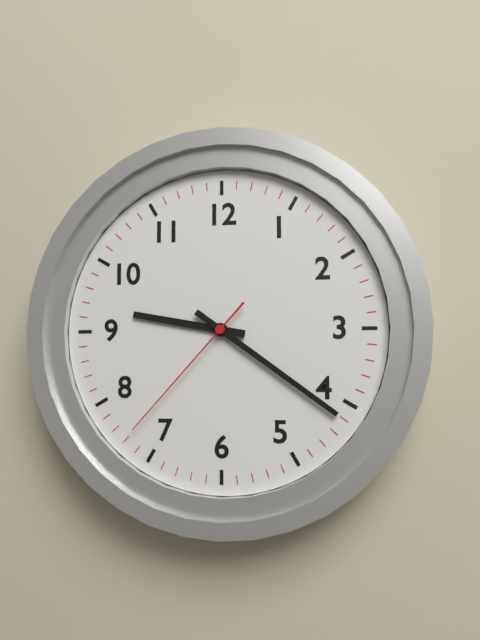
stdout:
{"hour": 9, "minute": 21, "second": 37}
